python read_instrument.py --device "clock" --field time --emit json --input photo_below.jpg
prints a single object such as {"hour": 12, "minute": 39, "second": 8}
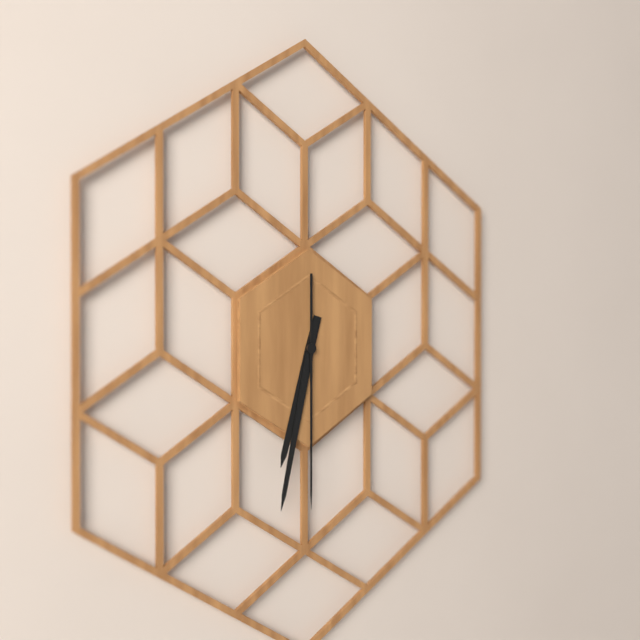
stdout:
{"hour": 6, "minute": 32, "second": 30}
